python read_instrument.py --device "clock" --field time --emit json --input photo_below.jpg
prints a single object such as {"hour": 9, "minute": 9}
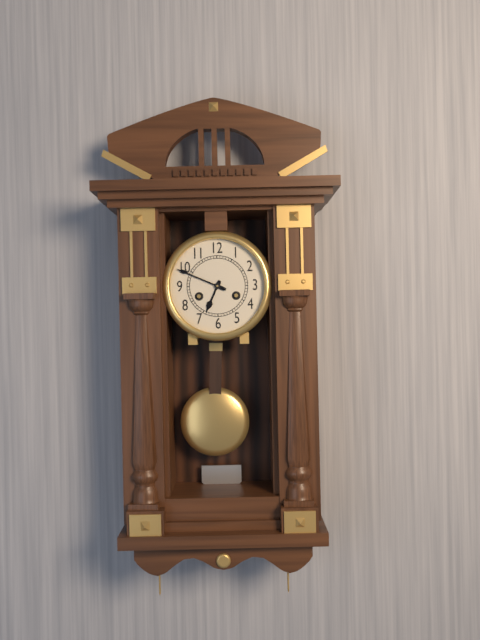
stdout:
{"hour": 6, "minute": 49}
